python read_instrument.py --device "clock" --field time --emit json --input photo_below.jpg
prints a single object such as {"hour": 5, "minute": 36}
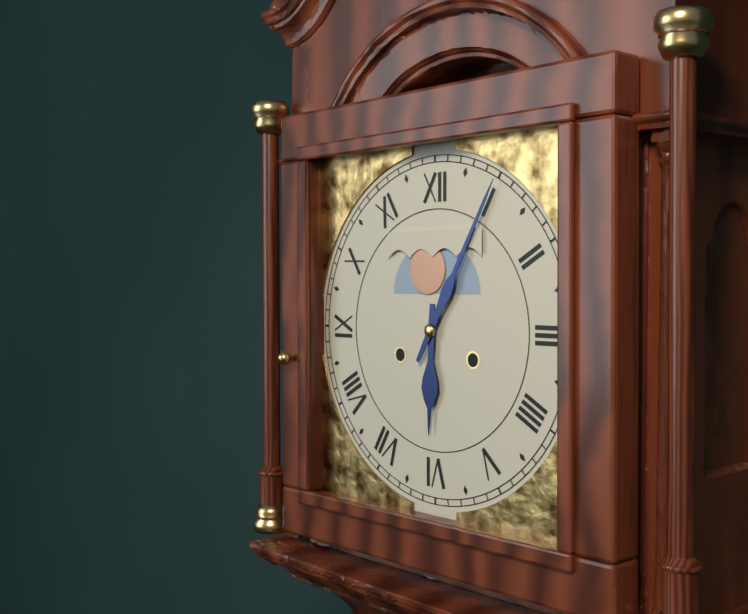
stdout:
{"hour": 6, "minute": 5}
